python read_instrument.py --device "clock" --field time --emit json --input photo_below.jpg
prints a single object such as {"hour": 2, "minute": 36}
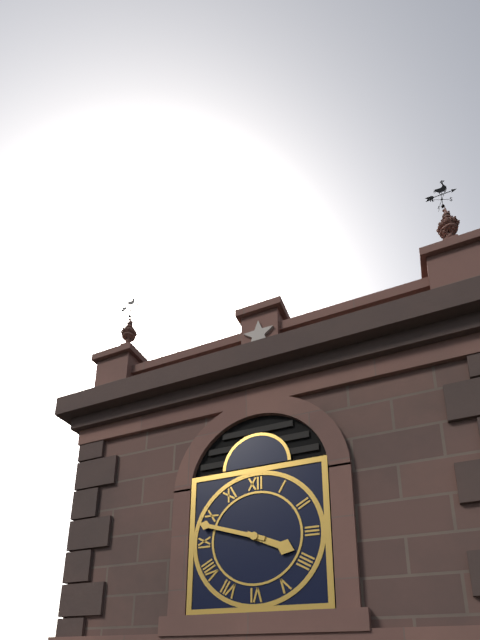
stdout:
{"hour": 3, "minute": 48}
